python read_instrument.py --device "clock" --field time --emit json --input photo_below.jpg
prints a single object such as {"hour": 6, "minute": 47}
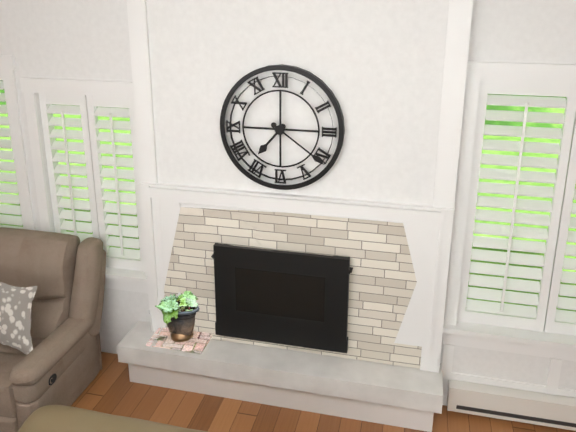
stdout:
{"hour": 7, "minute": 21}
